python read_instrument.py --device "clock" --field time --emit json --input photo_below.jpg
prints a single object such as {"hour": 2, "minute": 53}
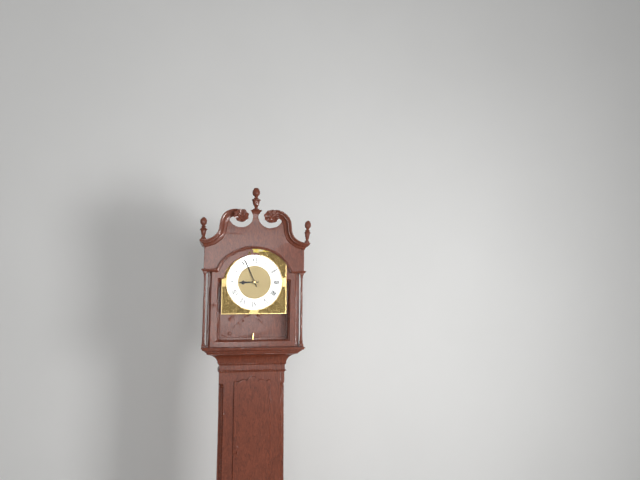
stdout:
{"hour": 8, "minute": 56}
